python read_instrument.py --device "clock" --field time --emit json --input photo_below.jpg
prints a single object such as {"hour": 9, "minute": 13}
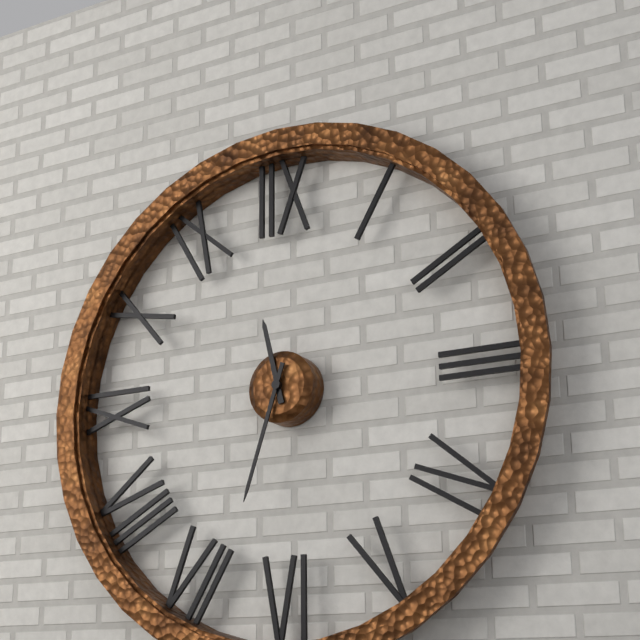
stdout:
{"hour": 11, "minute": 33}
